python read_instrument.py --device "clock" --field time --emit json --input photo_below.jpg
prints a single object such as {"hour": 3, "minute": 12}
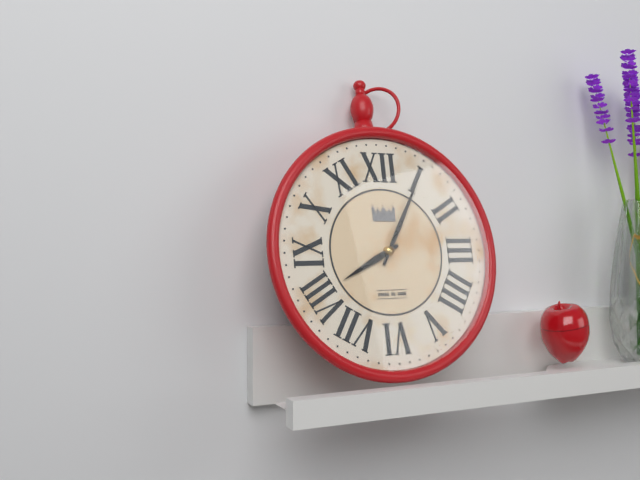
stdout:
{"hour": 8, "minute": 5}
